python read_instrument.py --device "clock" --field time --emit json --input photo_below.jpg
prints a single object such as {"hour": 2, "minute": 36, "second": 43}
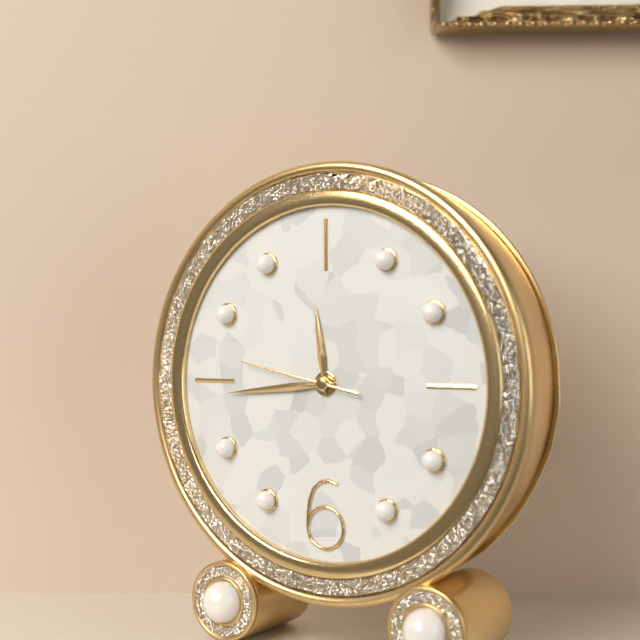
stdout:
{"hour": 11, "minute": 44, "second": 47}
